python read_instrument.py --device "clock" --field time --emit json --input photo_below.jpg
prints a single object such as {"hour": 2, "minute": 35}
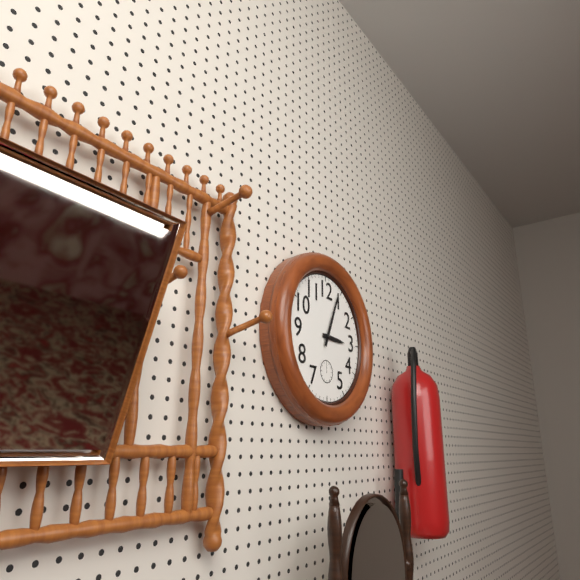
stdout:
{"hour": 3, "minute": 4}
